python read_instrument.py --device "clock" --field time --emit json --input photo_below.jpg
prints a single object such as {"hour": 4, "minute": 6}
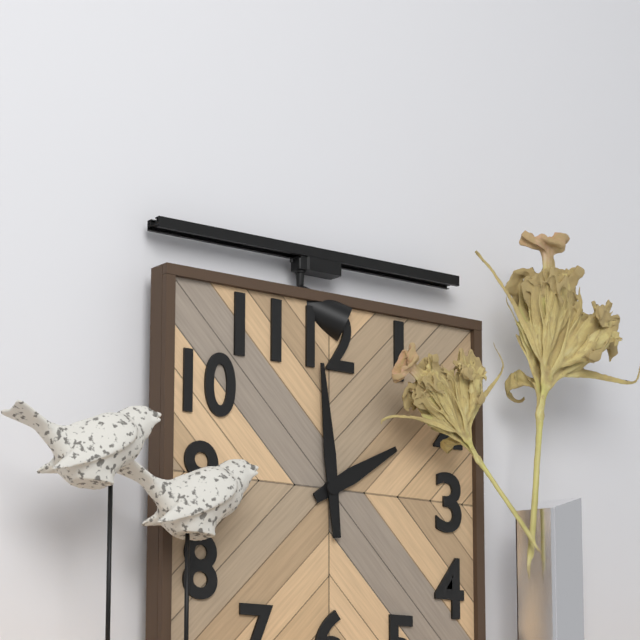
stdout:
{"hour": 1, "minute": 59}
